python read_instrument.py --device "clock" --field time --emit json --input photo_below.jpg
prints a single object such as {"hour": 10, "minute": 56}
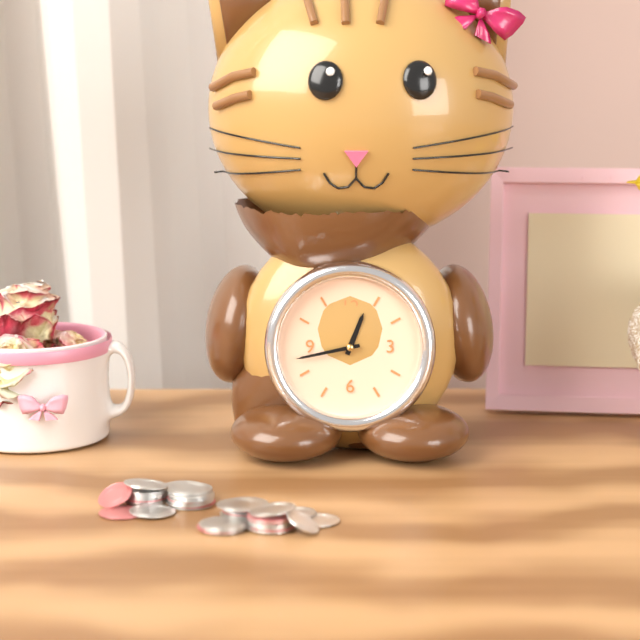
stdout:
{"hour": 12, "minute": 43}
